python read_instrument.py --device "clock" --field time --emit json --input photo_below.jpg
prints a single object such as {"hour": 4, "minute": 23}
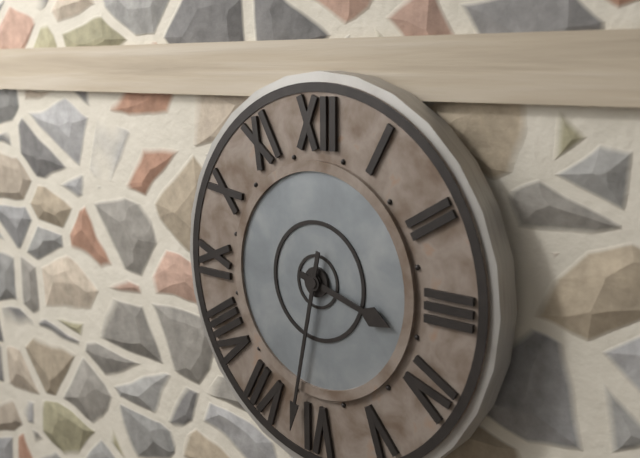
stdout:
{"hour": 3, "minute": 32}
